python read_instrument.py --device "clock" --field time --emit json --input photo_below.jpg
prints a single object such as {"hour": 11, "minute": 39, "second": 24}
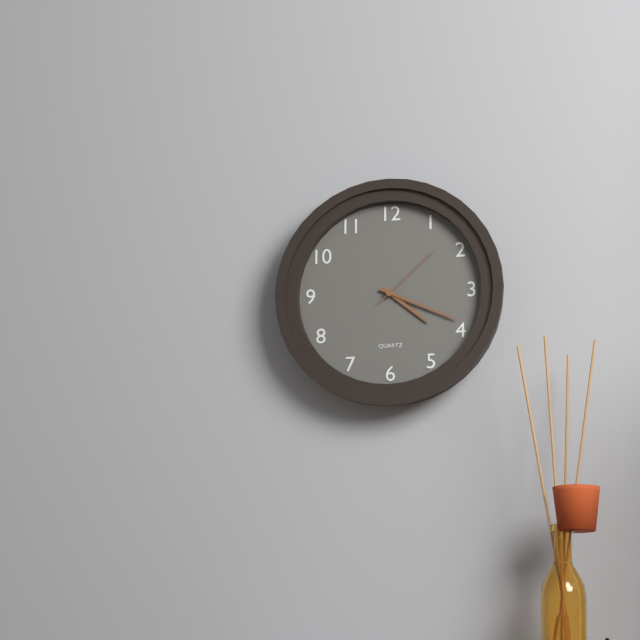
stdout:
{"hour": 4, "minute": 19, "second": 8}
